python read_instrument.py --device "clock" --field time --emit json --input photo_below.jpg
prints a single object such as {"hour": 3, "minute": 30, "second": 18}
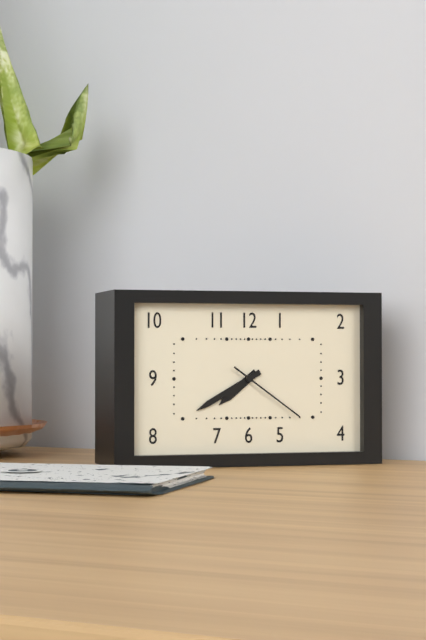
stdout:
{"hour": 7, "minute": 40, "second": 21}
